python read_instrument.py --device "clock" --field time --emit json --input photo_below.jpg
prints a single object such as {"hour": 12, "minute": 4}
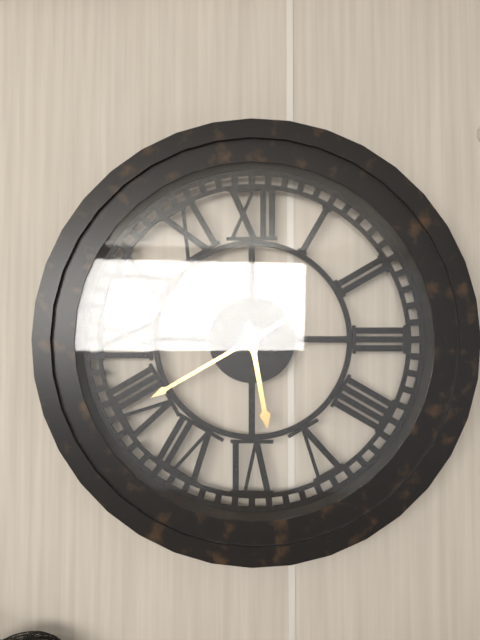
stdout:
{"hour": 5, "minute": 40}
